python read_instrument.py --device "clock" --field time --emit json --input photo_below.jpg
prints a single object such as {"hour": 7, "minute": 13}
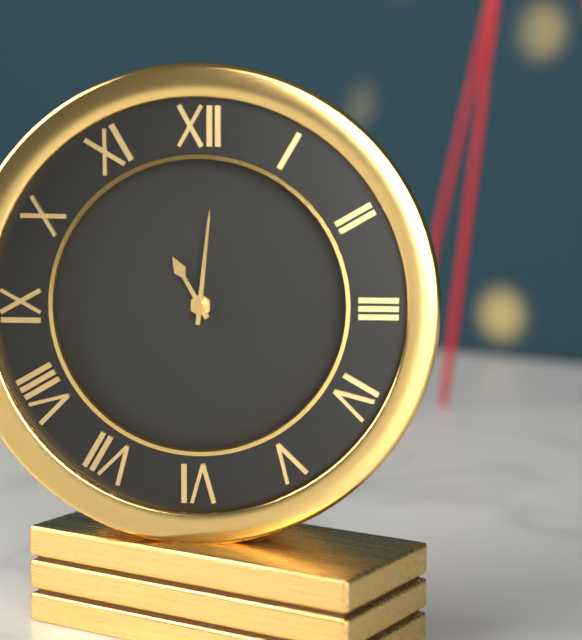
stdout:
{"hour": 11, "minute": 1}
